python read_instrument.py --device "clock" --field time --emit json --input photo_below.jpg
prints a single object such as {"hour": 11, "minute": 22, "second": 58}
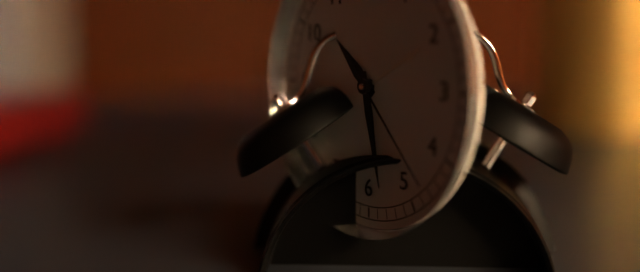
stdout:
{"hour": 10, "minute": 28, "second": 23}
